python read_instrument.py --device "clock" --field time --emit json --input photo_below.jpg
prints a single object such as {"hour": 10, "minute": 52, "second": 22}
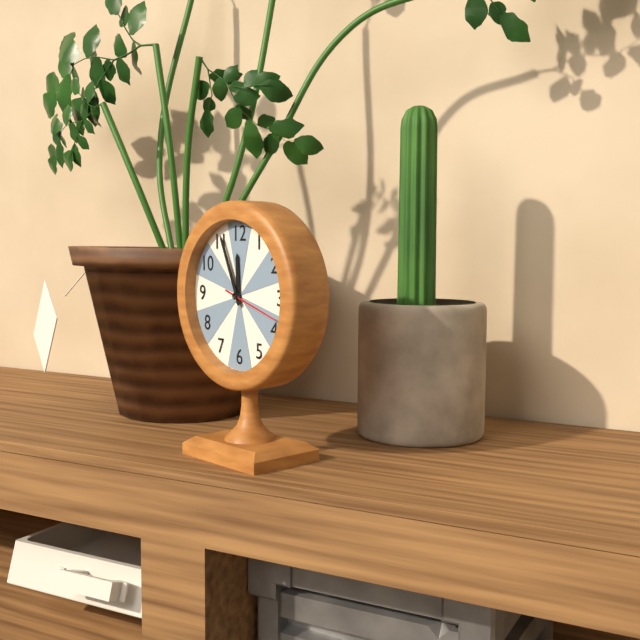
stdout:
{"hour": 11, "minute": 56, "second": 18}
